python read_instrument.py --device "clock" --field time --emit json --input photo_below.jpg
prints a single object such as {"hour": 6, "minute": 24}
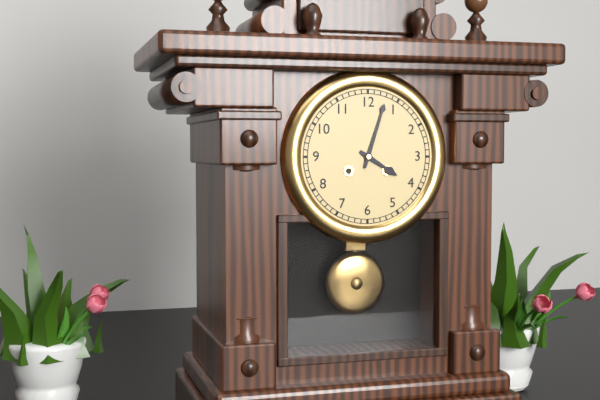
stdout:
{"hour": 4, "minute": 3}
